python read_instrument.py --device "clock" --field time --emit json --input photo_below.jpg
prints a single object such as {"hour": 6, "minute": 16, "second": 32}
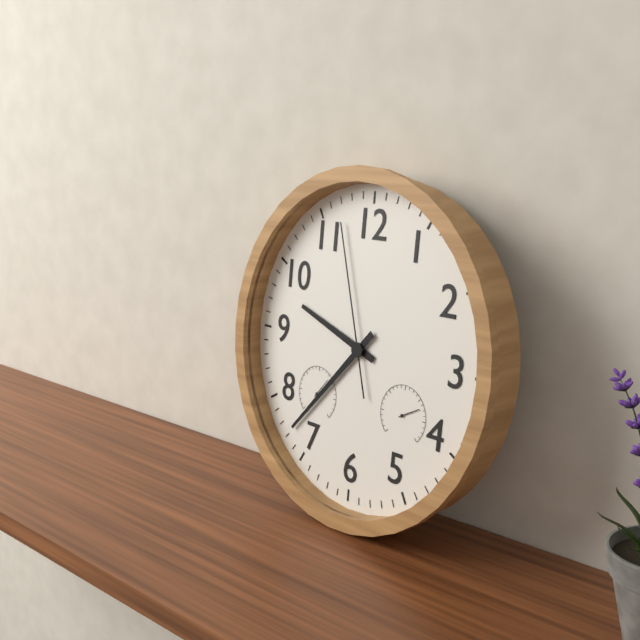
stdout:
{"hour": 9, "minute": 37, "second": 57}
